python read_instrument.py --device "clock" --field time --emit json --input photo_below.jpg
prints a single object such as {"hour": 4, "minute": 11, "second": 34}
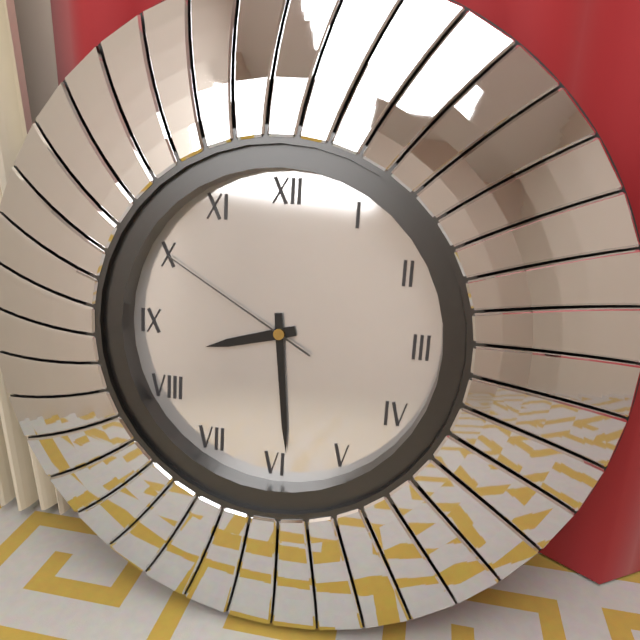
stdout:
{"hour": 8, "minute": 29, "second": 50}
